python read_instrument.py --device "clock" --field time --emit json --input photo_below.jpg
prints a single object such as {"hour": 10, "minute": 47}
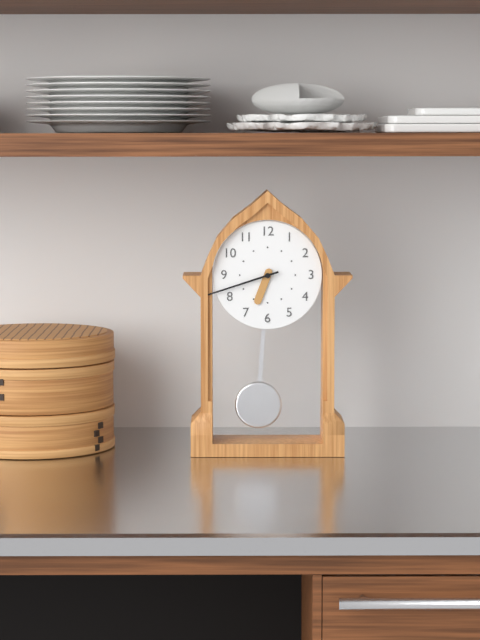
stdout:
{"hour": 6, "minute": 42}
